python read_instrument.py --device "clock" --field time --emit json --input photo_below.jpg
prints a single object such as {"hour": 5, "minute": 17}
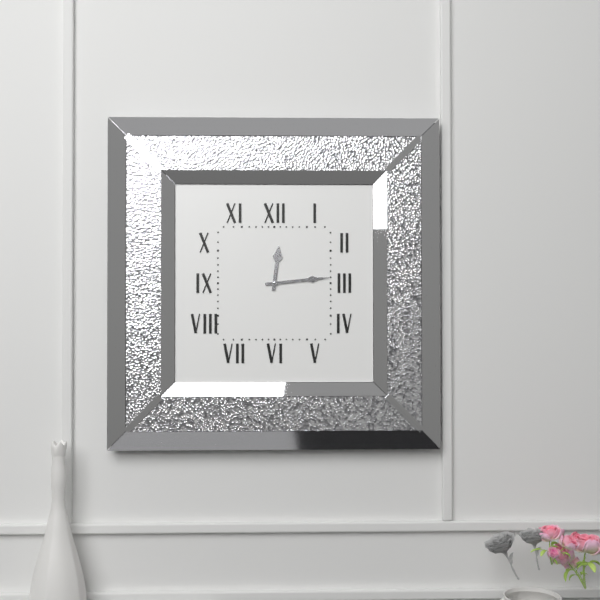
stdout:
{"hour": 12, "minute": 14}
